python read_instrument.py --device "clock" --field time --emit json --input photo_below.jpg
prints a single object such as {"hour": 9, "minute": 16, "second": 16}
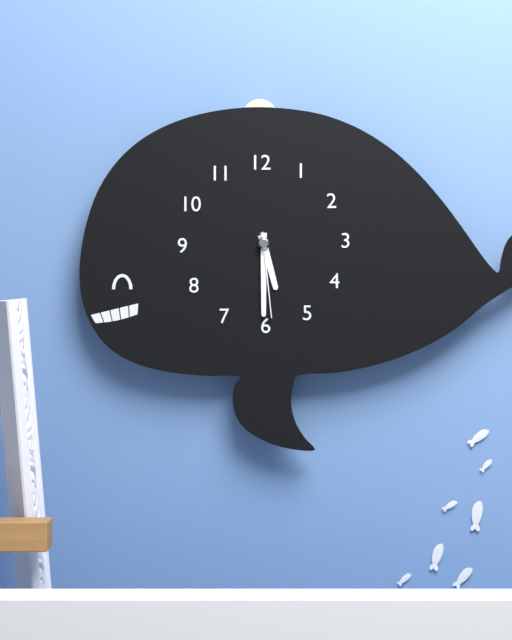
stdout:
{"hour": 5, "minute": 30, "second": 29}
